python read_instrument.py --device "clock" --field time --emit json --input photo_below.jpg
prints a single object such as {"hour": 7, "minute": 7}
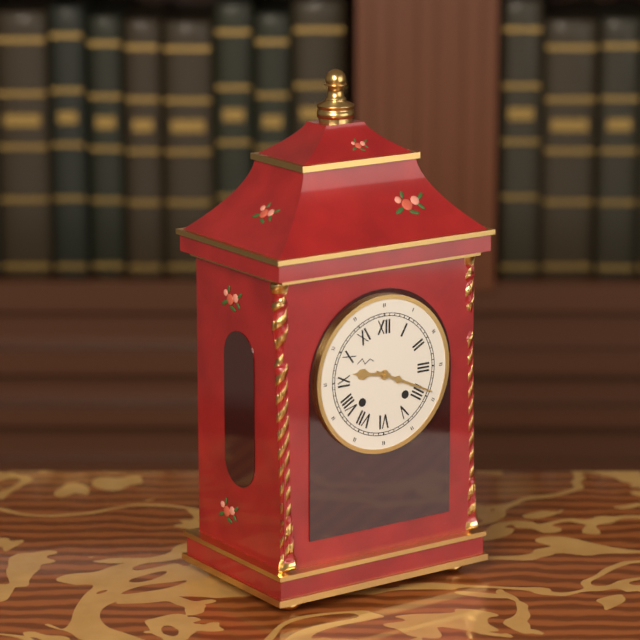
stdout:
{"hour": 9, "minute": 19}
